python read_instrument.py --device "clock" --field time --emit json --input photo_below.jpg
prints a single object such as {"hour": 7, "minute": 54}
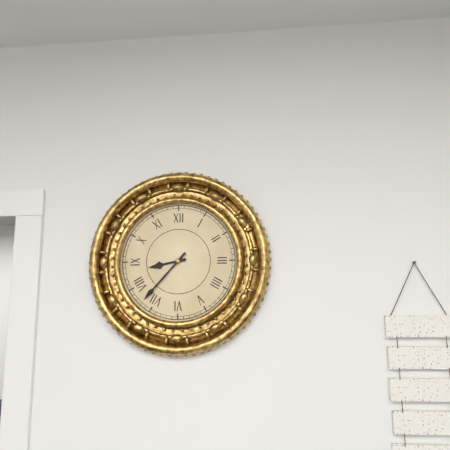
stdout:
{"hour": 8, "minute": 37}
